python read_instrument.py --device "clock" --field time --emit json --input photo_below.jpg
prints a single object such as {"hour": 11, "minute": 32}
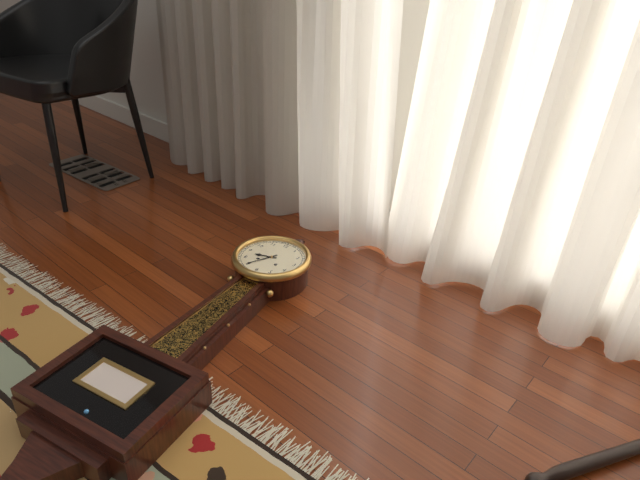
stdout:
{"hour": 8, "minute": 35}
